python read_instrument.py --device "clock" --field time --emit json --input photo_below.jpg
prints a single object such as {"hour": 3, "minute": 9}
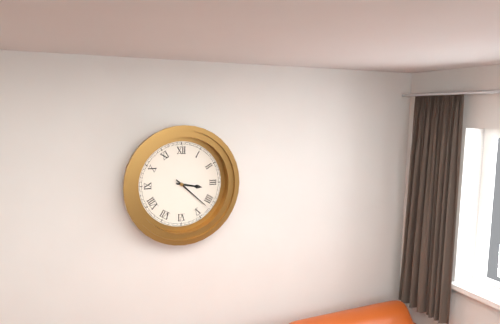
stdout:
{"hour": 3, "minute": 22}
